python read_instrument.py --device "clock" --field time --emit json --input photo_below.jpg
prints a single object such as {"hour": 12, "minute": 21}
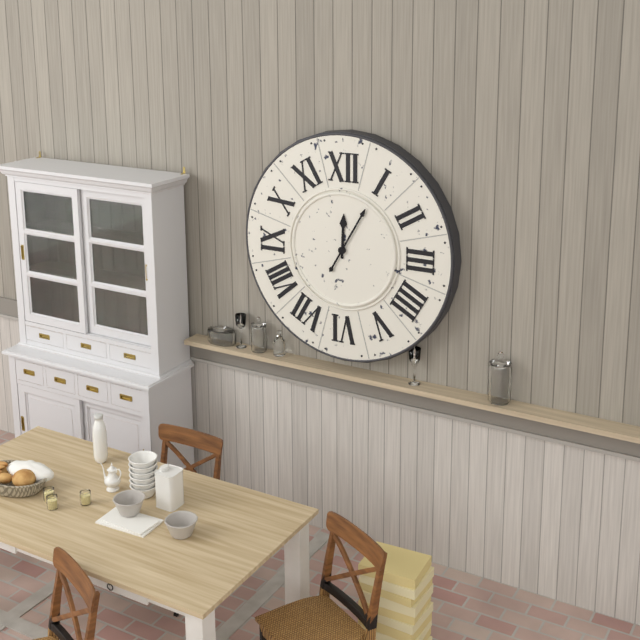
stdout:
{"hour": 12, "minute": 5}
